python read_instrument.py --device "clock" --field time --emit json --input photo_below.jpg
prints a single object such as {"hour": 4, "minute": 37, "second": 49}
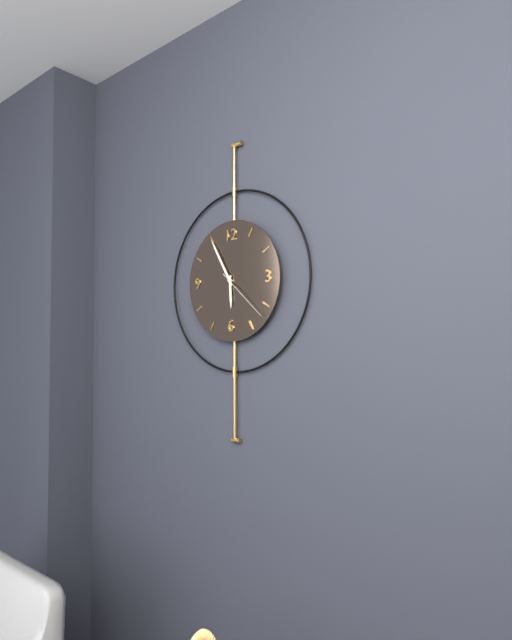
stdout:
{"hour": 5, "minute": 55, "second": 22}
